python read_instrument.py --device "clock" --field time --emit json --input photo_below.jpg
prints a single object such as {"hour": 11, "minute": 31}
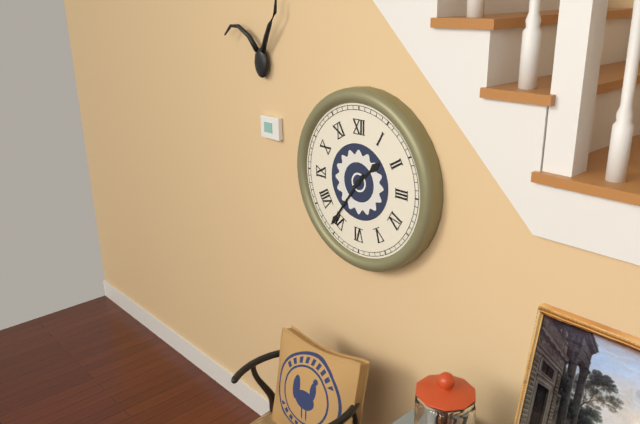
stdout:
{"hour": 1, "minute": 36}
